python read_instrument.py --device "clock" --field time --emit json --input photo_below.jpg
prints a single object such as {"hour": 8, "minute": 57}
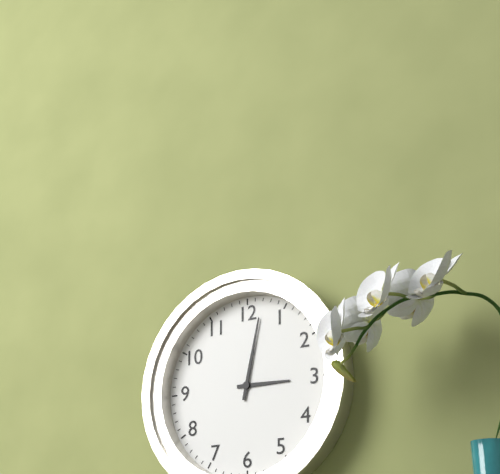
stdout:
{"hour": 3, "minute": 2}
